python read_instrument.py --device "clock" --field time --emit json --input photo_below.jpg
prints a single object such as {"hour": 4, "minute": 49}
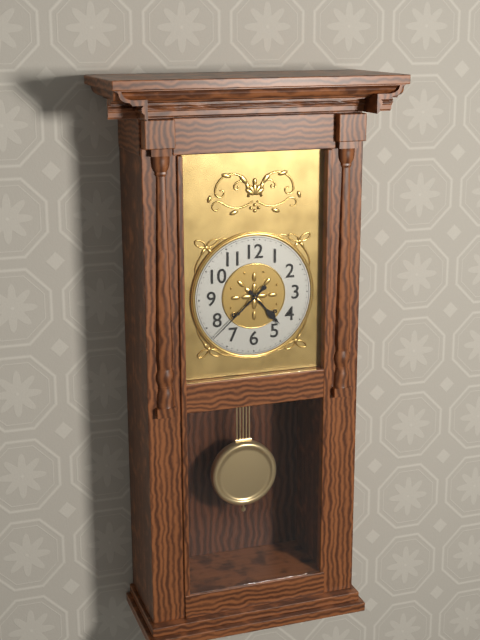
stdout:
{"hour": 4, "minute": 38}
